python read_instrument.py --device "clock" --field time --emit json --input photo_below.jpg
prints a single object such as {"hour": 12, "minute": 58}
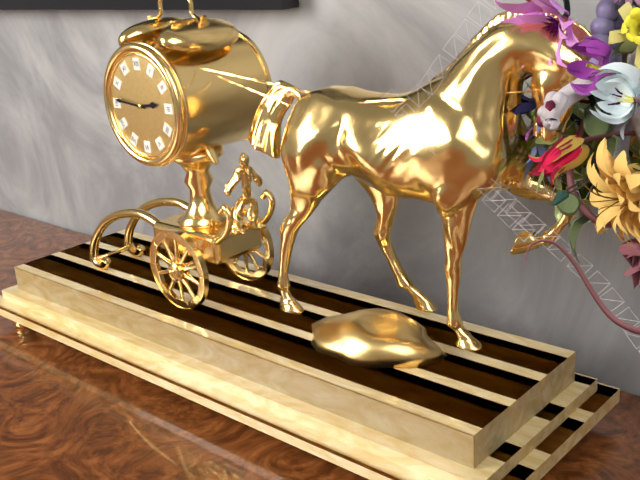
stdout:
{"hour": 2, "minute": 46}
